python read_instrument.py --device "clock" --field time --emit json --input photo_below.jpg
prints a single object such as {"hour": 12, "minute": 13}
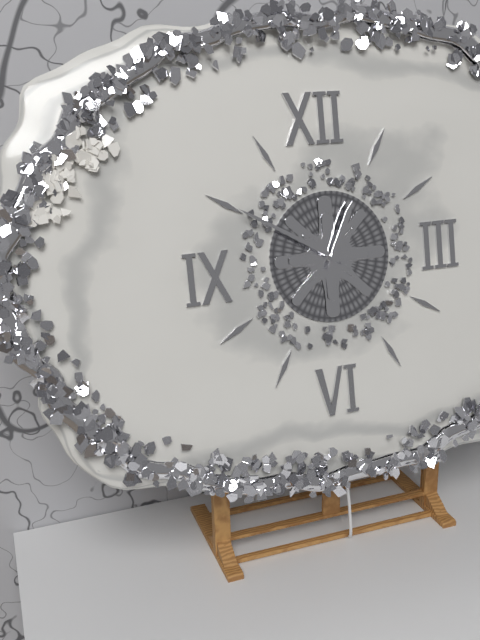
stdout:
{"hour": 12, "minute": 50}
